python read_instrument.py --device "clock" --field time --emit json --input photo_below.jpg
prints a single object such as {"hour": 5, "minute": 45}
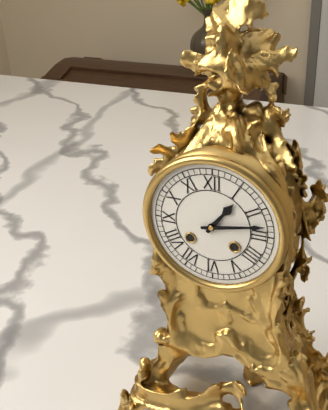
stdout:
{"hour": 1, "minute": 13}
